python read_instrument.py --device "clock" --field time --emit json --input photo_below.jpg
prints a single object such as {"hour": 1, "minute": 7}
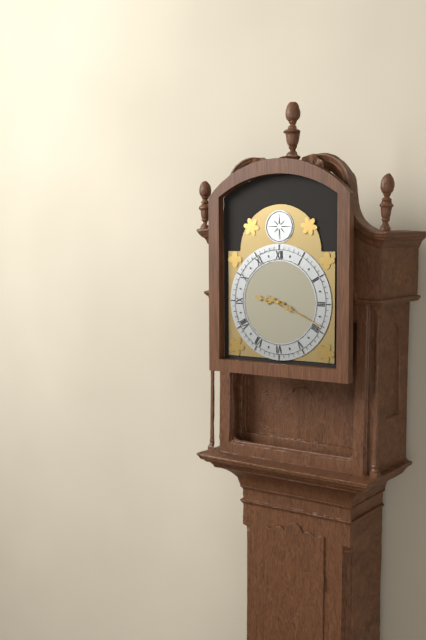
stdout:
{"hour": 9, "minute": 19}
